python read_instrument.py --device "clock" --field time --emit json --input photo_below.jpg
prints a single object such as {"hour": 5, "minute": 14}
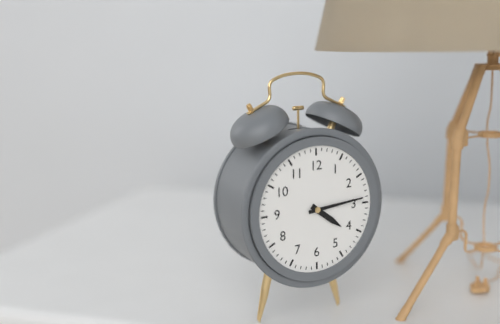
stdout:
{"hour": 4, "minute": 14}
